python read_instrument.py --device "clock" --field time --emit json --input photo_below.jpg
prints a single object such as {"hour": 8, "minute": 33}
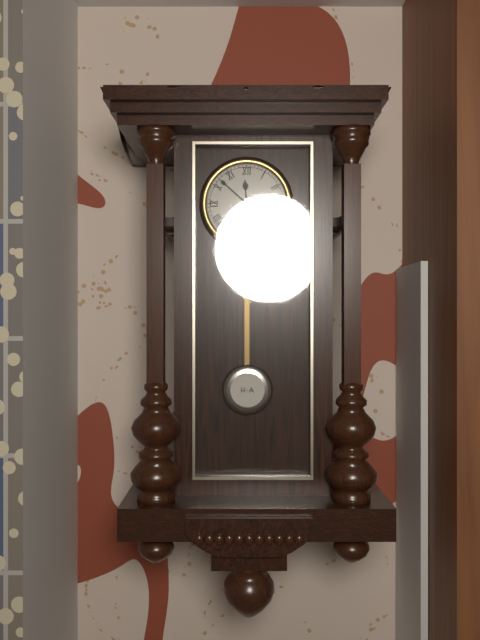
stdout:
{"hour": 11, "minute": 52}
